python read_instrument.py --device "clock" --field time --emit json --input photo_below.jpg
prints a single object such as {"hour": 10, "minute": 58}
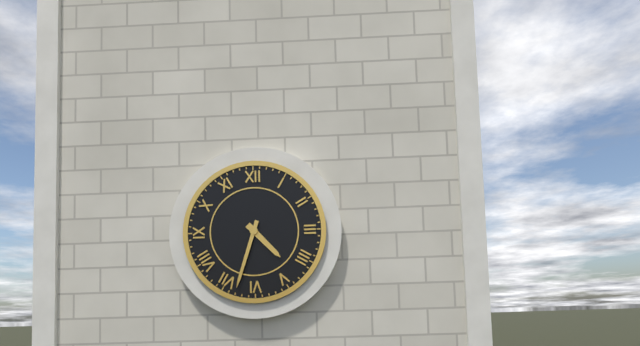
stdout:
{"hour": 4, "minute": 33}
